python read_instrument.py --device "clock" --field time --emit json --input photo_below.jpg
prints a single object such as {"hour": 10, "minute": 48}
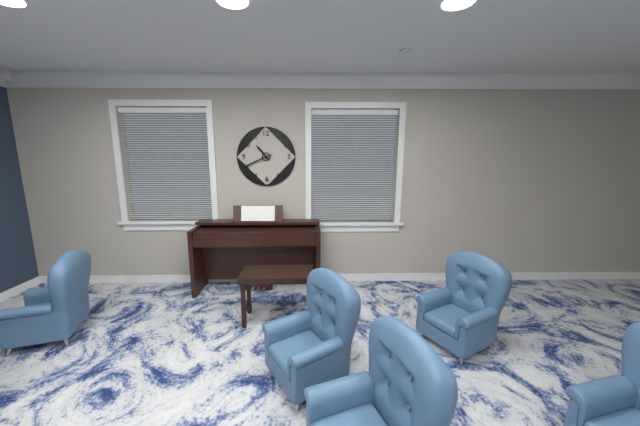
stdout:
{"hour": 10, "minute": 41}
